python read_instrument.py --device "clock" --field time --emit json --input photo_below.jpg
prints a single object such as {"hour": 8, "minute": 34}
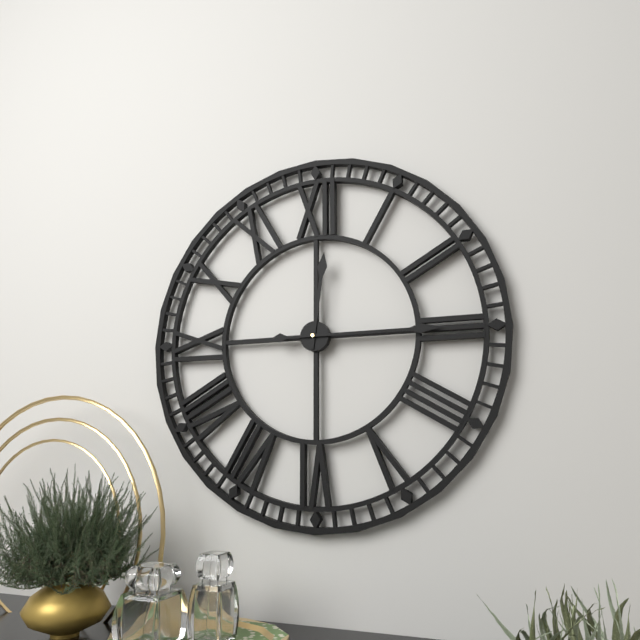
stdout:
{"hour": 12, "minute": 15}
